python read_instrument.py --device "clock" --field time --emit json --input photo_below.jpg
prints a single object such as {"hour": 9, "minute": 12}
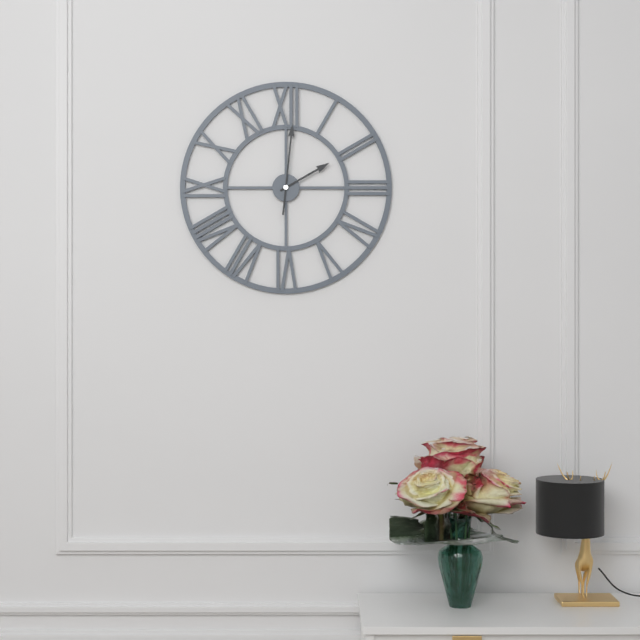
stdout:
{"hour": 2, "minute": 1}
